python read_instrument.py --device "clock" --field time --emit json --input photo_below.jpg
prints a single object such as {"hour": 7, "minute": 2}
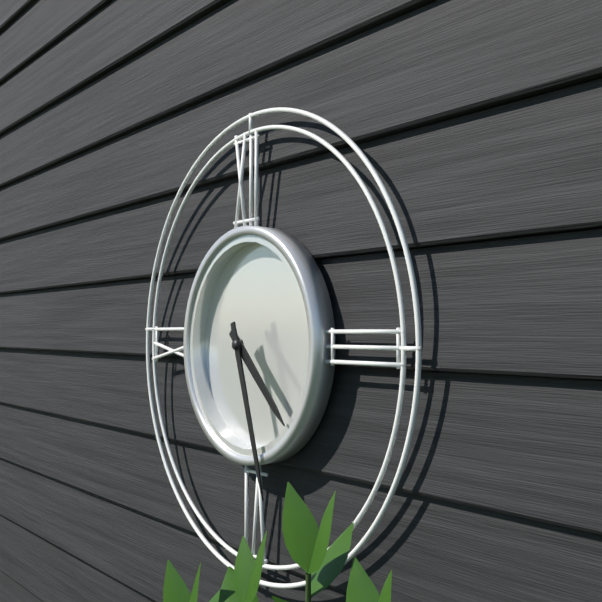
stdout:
{"hour": 4, "minute": 27}
